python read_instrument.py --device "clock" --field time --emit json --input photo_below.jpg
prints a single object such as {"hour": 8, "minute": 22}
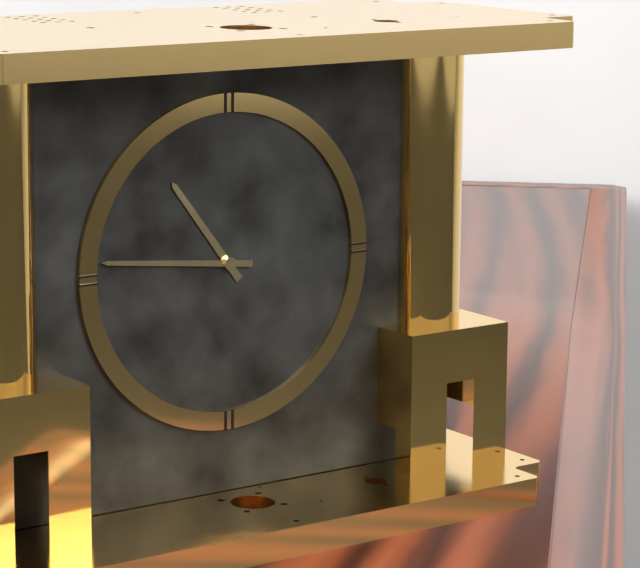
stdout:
{"hour": 10, "minute": 46}
